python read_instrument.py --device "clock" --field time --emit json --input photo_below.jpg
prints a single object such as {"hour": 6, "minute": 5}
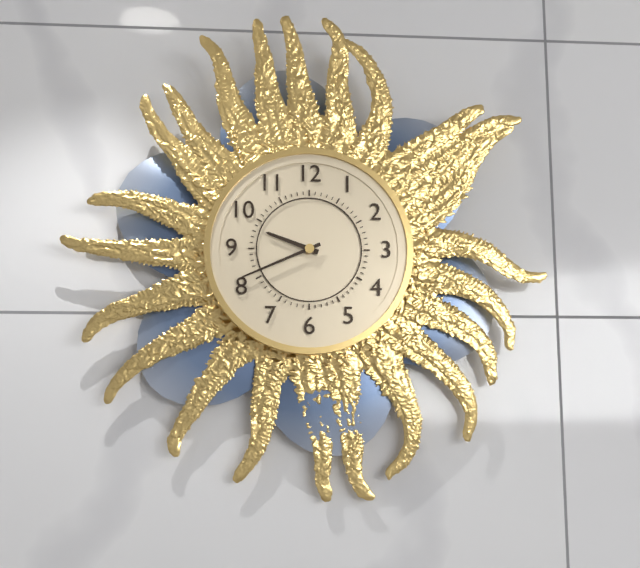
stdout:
{"hour": 9, "minute": 41}
